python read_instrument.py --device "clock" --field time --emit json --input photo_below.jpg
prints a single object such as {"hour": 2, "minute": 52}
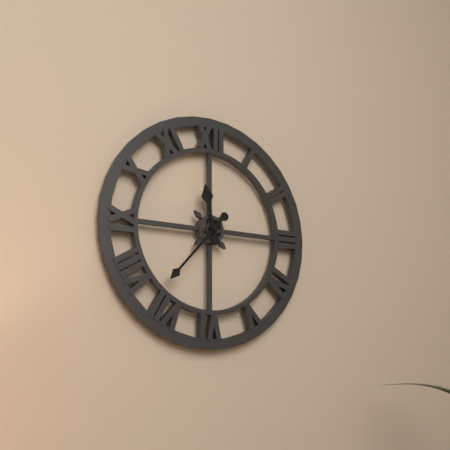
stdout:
{"hour": 11, "minute": 37}
